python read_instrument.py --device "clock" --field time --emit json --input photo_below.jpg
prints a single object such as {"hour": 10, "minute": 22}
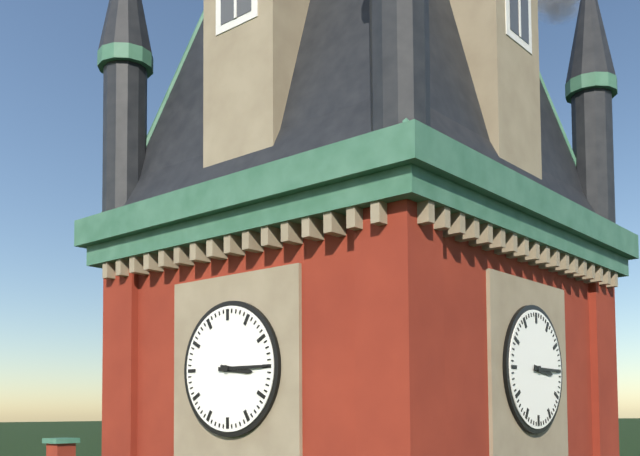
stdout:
{"hour": 3, "minute": 15}
